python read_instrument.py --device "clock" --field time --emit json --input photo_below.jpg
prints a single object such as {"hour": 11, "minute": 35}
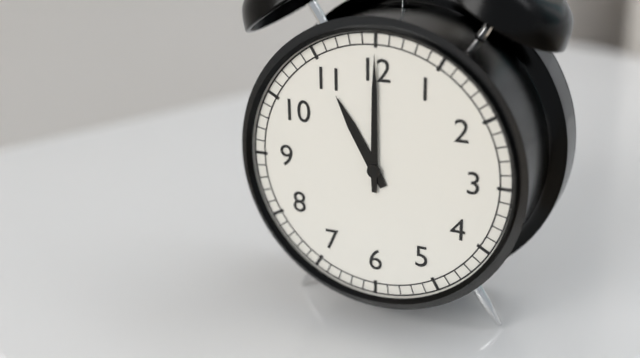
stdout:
{"hour": 11, "minute": 0}
